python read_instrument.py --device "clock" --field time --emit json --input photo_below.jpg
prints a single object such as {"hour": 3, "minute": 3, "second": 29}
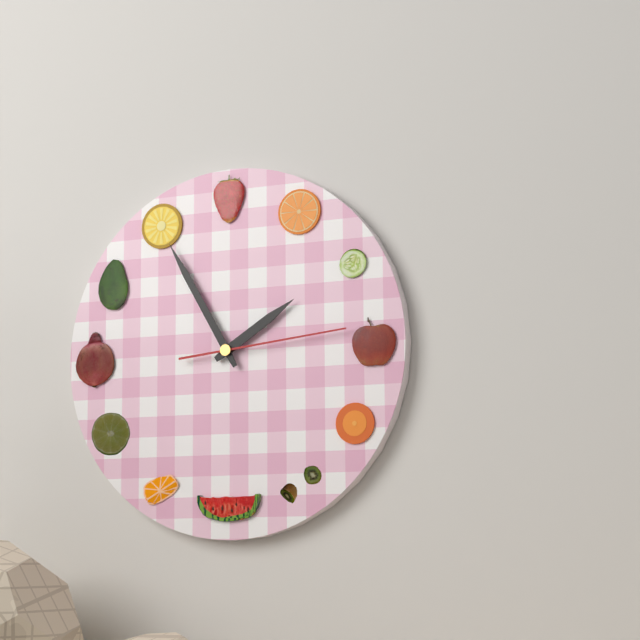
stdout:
{"hour": 1, "minute": 55, "second": 14}
